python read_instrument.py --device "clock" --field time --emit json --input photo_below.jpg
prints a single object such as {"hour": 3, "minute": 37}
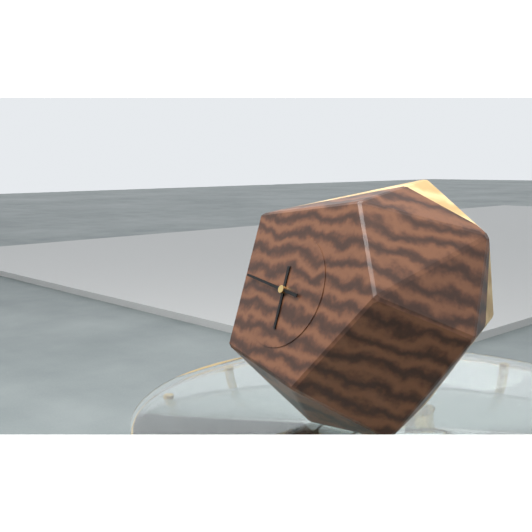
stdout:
{"hour": 5, "minute": 46}
